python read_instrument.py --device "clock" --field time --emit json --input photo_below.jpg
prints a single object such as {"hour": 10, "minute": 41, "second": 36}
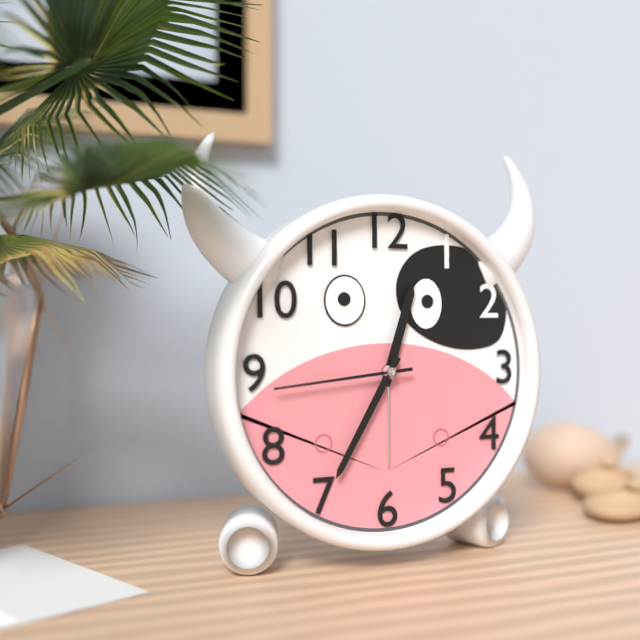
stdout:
{"hour": 12, "minute": 35, "second": 44}
